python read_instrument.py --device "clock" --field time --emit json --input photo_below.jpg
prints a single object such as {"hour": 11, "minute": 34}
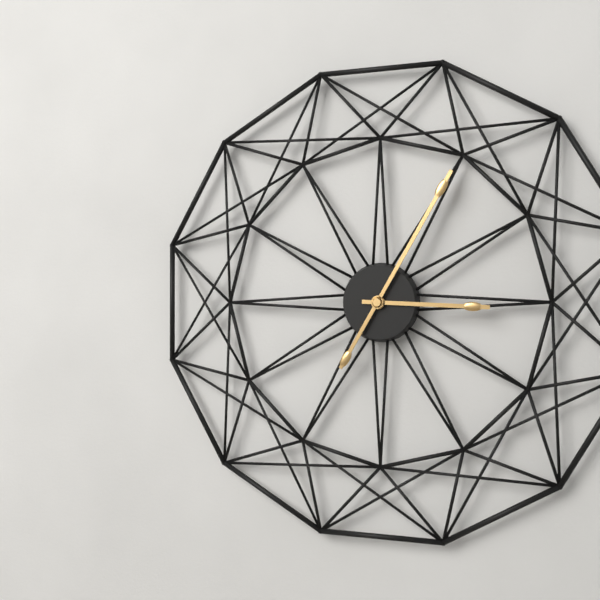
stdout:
{"hour": 3, "minute": 5}
